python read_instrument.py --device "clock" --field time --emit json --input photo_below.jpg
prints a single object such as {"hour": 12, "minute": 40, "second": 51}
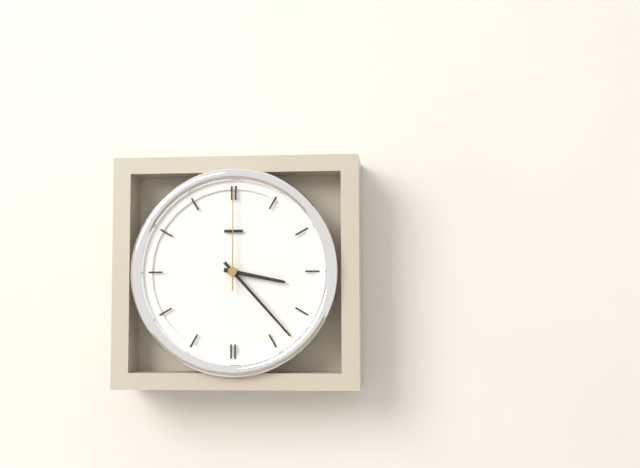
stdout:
{"hour": 3, "minute": 23, "second": 0}
